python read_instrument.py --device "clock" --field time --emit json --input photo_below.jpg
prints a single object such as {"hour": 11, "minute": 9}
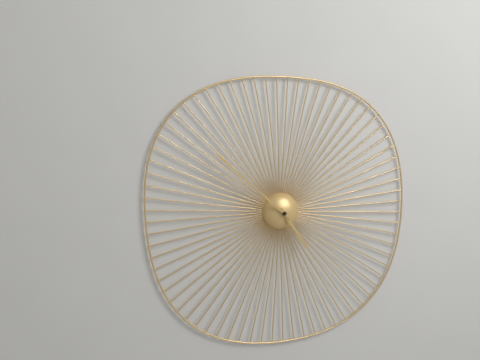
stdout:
{"hour": 4, "minute": 52}
